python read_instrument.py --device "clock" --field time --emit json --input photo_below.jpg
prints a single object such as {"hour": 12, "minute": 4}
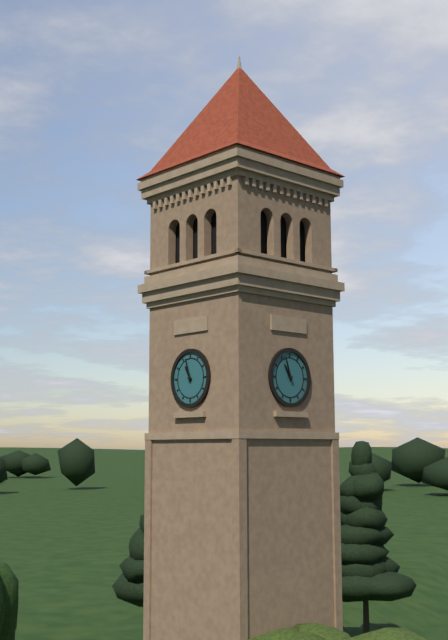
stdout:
{"hour": 10, "minute": 57}
